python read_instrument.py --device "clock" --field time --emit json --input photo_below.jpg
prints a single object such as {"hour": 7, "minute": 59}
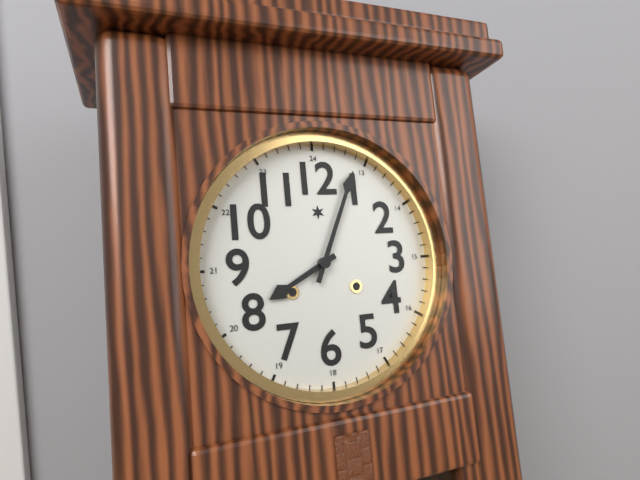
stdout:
{"hour": 8, "minute": 4}
